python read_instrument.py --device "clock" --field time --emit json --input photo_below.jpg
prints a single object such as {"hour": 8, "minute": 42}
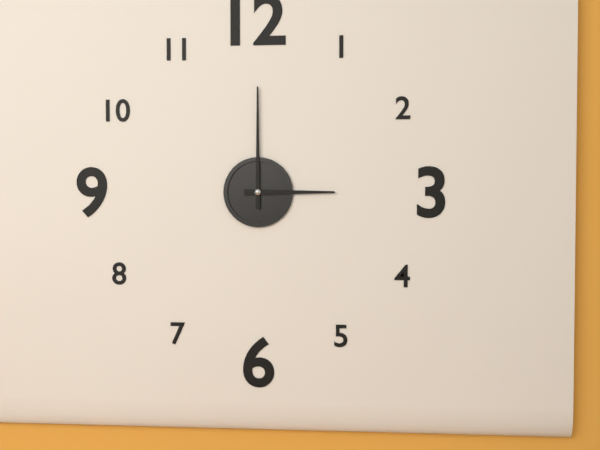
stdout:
{"hour": 3, "minute": 0}
